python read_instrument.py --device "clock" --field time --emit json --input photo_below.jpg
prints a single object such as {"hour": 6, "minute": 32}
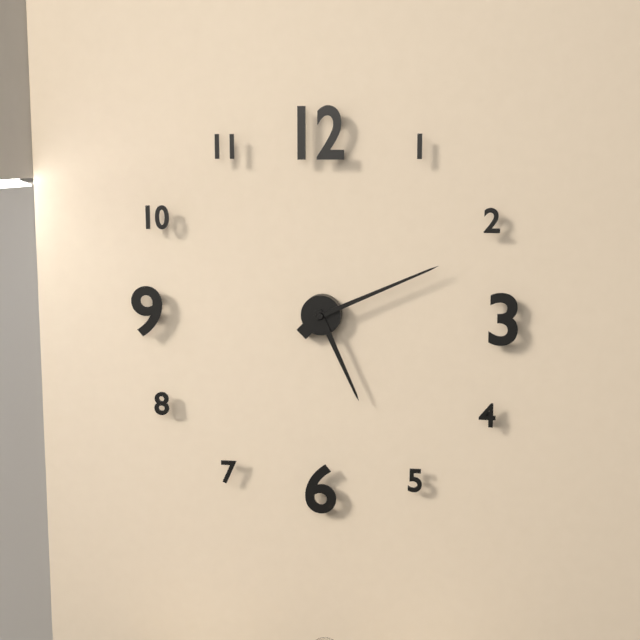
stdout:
{"hour": 5, "minute": 11}
